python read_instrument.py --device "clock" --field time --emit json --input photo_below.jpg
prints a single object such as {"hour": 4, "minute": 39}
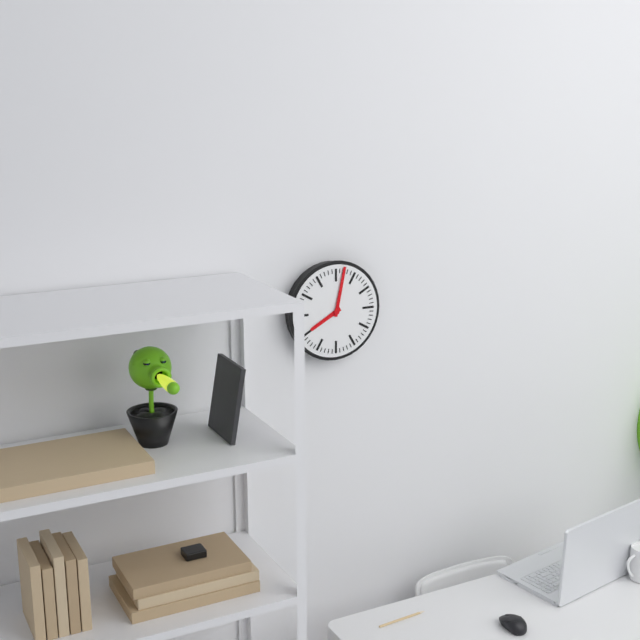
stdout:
{"hour": 8, "minute": 2}
